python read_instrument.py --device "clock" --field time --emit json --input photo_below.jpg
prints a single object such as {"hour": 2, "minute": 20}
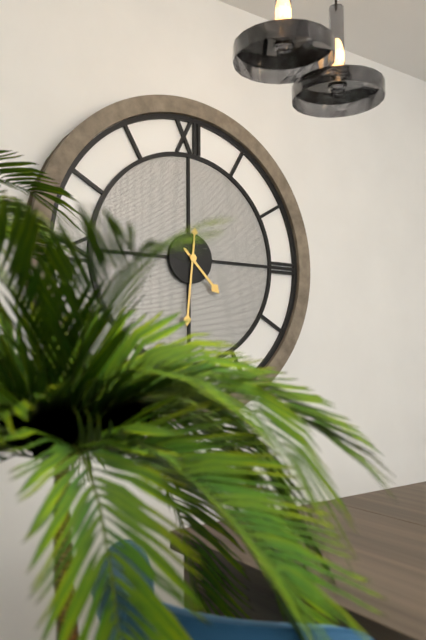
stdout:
{"hour": 4, "minute": 31}
